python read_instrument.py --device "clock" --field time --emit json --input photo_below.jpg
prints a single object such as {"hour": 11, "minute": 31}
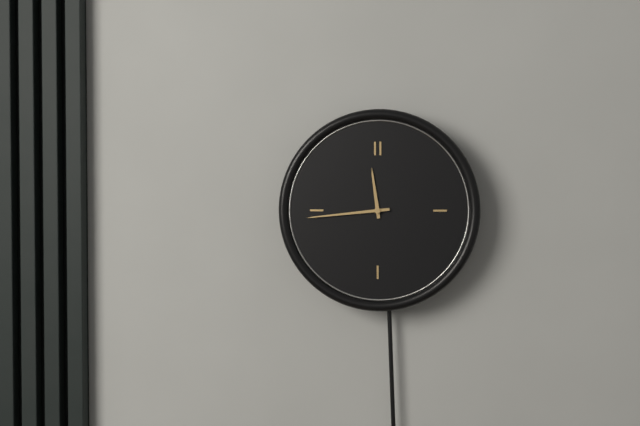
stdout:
{"hour": 11, "minute": 44}
